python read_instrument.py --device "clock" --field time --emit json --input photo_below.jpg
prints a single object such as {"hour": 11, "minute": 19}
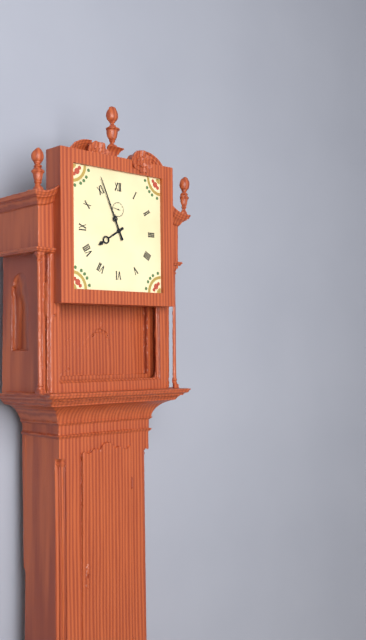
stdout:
{"hour": 7, "minute": 56}
